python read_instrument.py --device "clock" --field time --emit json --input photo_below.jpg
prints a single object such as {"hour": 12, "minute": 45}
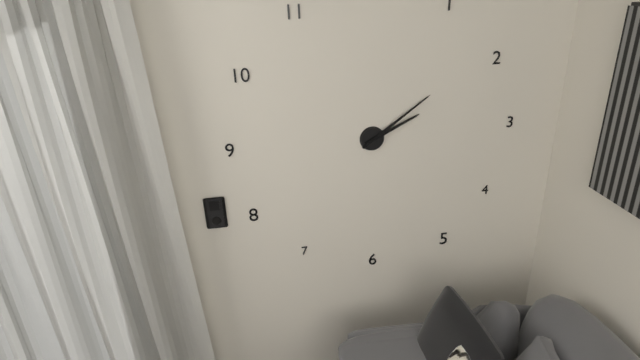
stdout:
{"hour": 2, "minute": 9}
